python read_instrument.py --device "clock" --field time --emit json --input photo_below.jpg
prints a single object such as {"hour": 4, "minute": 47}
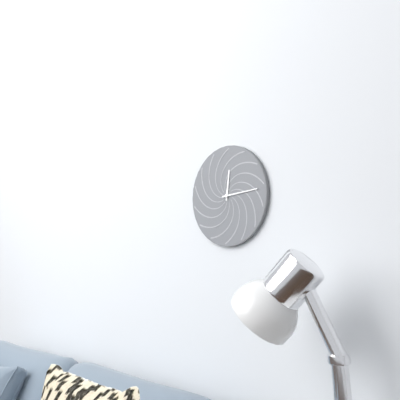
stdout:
{"hour": 12, "minute": 14}
